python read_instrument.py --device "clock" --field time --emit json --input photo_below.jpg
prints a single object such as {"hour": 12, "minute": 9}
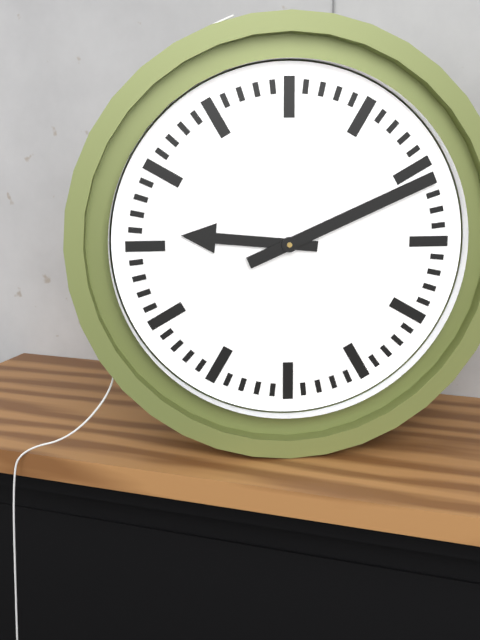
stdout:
{"hour": 9, "minute": 11}
